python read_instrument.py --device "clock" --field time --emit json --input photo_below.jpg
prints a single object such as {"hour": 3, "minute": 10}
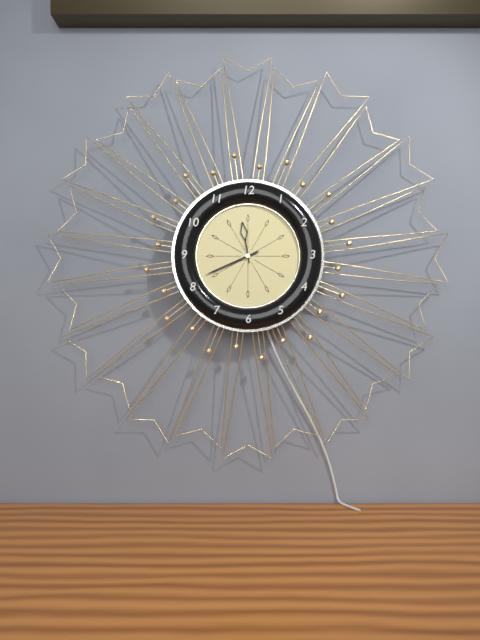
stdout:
{"hour": 11, "minute": 41}
